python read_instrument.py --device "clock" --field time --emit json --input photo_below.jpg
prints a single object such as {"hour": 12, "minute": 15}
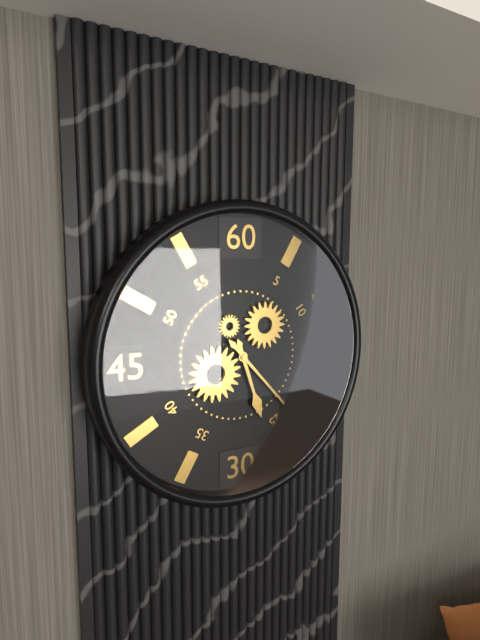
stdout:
{"hour": 5, "minute": 23}
